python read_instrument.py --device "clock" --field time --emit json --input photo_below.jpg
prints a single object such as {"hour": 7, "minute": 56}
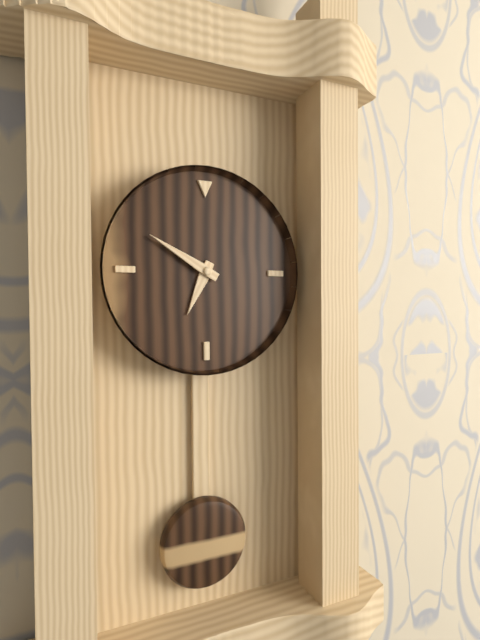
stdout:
{"hour": 6, "minute": 50}
